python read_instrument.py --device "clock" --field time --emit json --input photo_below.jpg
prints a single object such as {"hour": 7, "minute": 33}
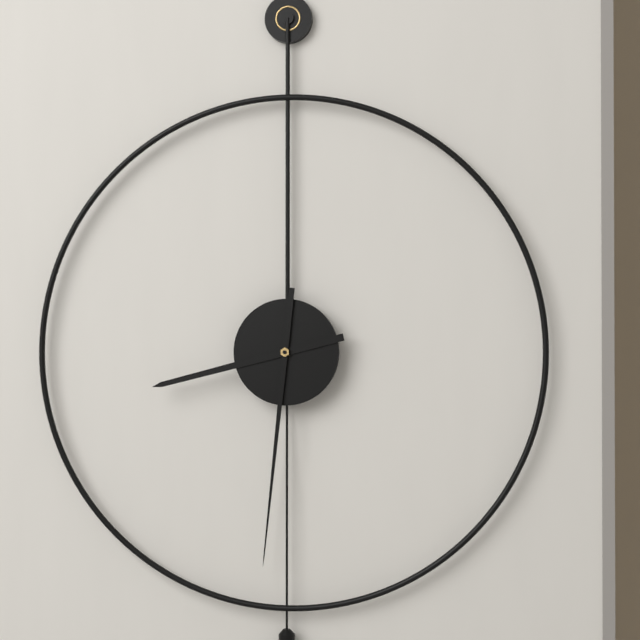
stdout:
{"hour": 8, "minute": 31}
